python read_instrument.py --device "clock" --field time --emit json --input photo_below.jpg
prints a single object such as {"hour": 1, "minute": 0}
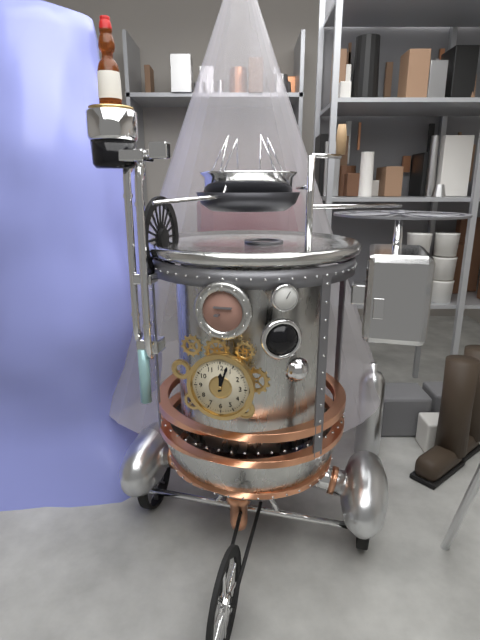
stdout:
{"hour": 12, "minute": 3}
